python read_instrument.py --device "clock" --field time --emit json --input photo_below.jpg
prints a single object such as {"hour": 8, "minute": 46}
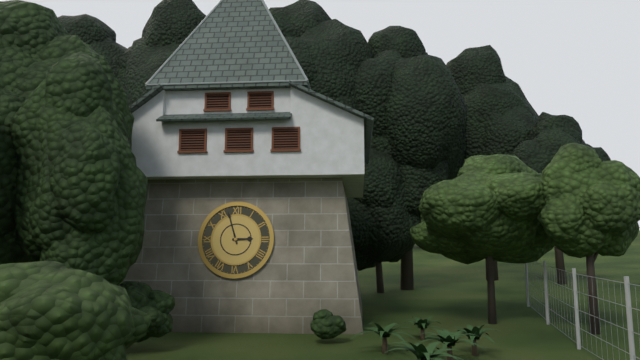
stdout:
{"hour": 2, "minute": 57}
